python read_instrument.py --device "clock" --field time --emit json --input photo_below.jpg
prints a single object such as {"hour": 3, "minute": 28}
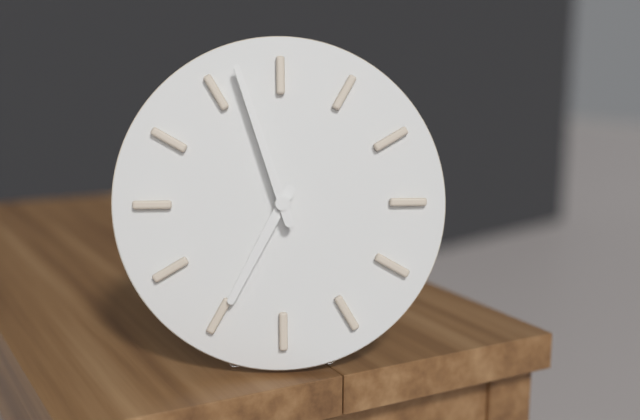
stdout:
{"hour": 6, "minute": 57}
